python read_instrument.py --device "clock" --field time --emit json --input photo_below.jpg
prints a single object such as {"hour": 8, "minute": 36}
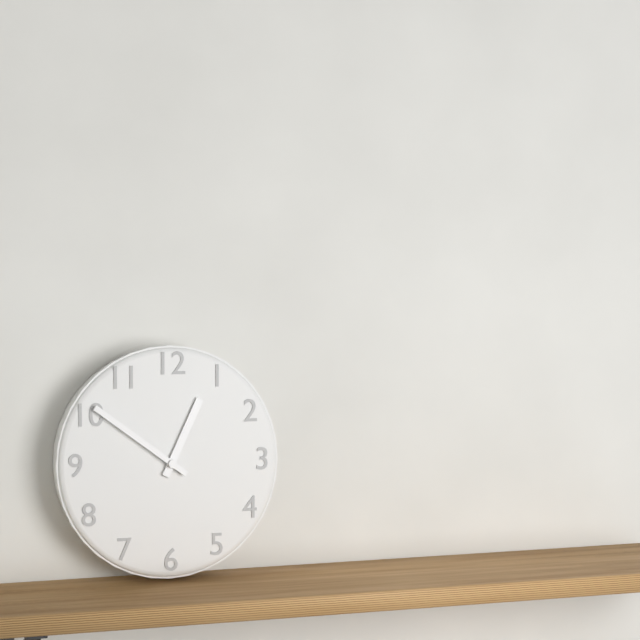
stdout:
{"hour": 12, "minute": 51}
